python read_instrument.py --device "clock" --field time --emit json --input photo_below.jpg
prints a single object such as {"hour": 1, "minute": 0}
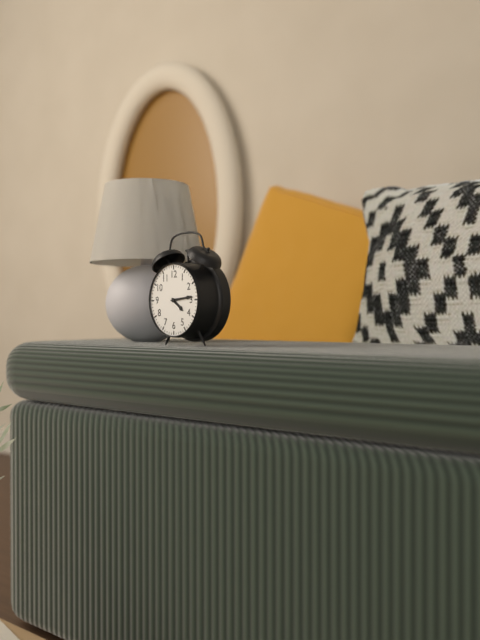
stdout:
{"hour": 4, "minute": 14}
